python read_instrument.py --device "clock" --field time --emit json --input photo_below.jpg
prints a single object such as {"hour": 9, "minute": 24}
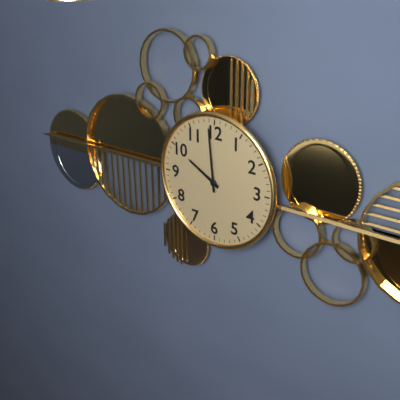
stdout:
{"hour": 9, "minute": 59}
